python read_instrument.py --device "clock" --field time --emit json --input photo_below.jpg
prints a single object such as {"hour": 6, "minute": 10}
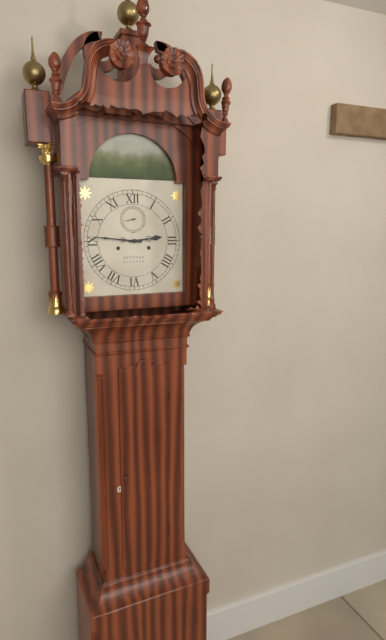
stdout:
{"hour": 2, "minute": 46}
